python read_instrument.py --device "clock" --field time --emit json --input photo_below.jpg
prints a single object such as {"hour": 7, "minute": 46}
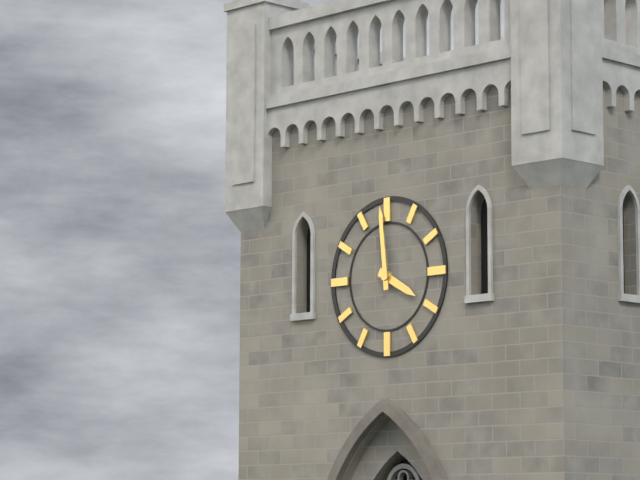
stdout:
{"hour": 3, "minute": 59}
